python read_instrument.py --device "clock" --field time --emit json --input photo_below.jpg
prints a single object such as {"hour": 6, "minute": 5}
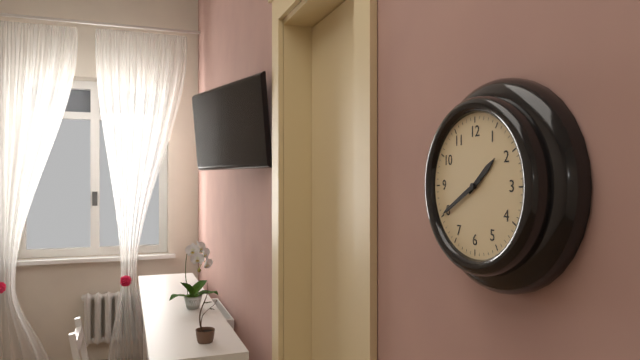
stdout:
{"hour": 1, "minute": 40}
